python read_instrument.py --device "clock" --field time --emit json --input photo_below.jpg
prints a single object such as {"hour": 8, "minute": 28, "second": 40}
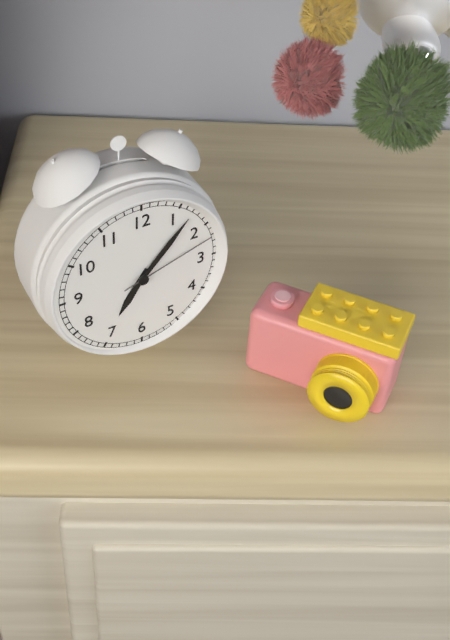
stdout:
{"hour": 7, "minute": 7, "second": 12}
